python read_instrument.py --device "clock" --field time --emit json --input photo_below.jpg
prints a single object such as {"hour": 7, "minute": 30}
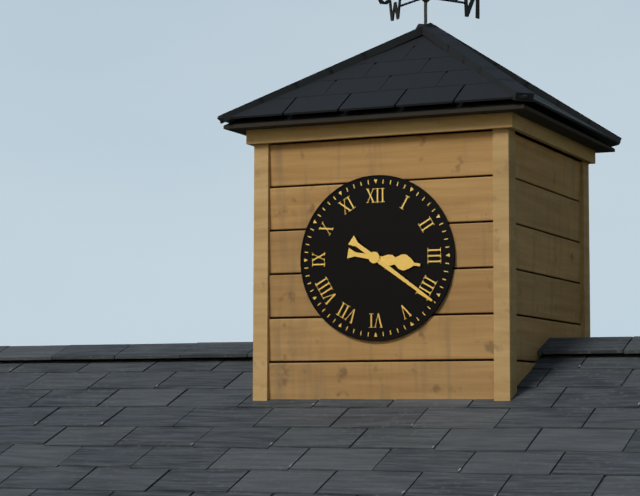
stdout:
{"hour": 3, "minute": 21}
